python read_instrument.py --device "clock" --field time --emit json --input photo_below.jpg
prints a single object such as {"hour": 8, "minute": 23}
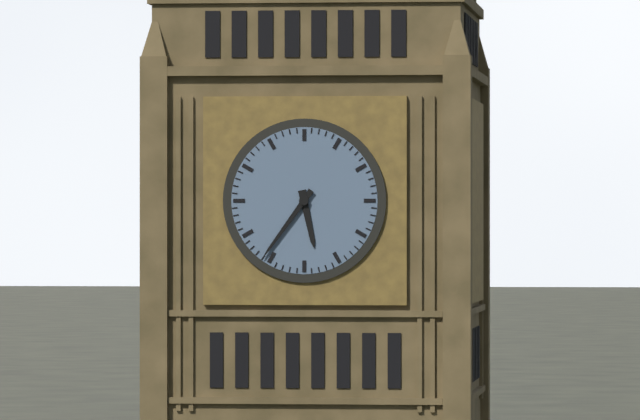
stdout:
{"hour": 5, "minute": 36}
